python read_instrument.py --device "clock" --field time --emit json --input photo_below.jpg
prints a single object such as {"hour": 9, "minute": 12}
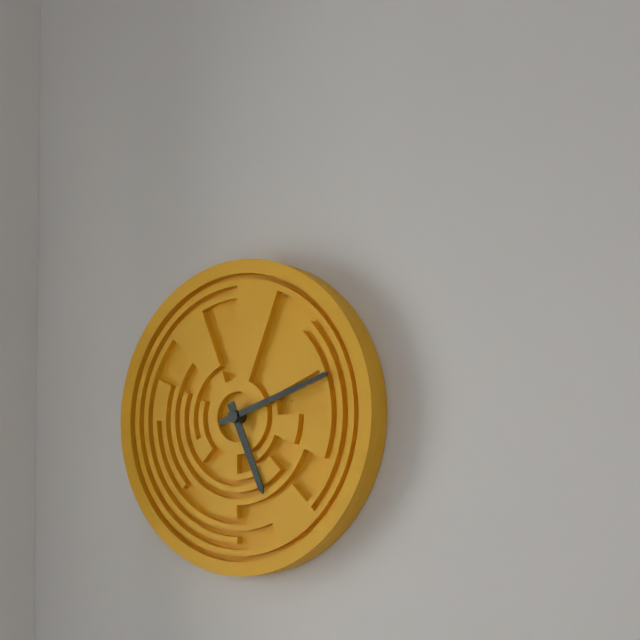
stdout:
{"hour": 5, "minute": 12}
